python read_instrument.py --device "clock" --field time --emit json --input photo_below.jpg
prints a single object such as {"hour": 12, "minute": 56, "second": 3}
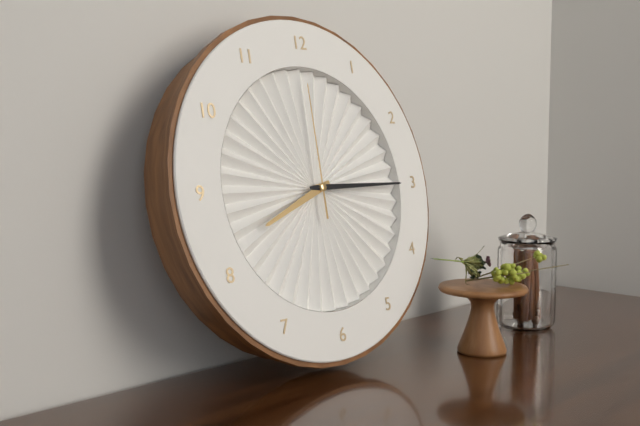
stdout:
{"hour": 8, "minute": 15, "second": 0}
